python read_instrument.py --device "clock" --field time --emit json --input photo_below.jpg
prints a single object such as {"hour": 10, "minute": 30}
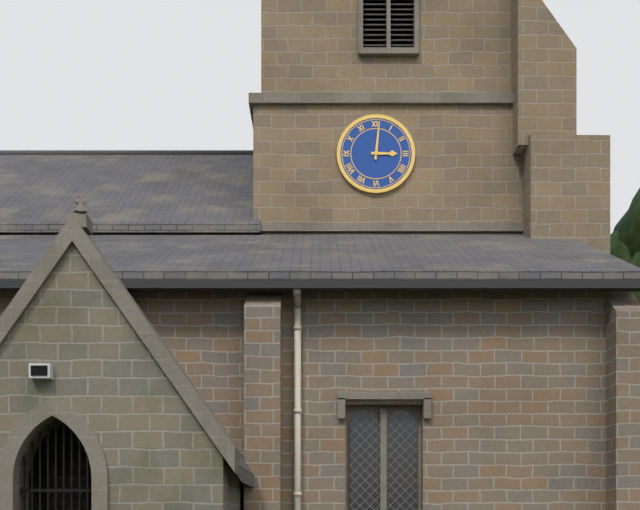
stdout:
{"hour": 3, "minute": 1}
